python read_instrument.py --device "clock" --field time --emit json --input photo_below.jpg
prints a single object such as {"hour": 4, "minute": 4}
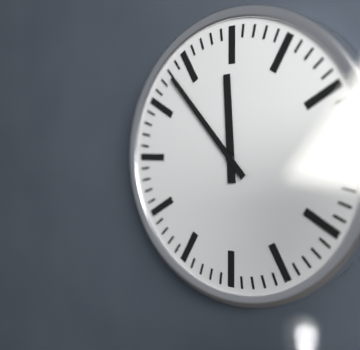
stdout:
{"hour": 11, "minute": 53}
